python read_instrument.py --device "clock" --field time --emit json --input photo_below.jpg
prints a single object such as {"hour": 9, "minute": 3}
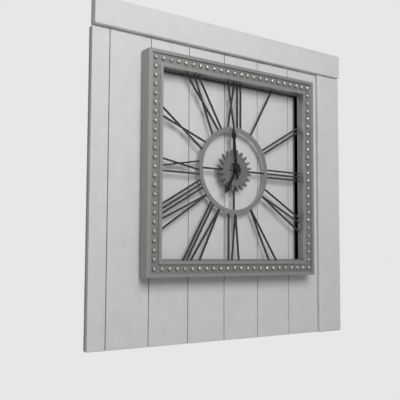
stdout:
{"hour": 6, "minute": 59}
